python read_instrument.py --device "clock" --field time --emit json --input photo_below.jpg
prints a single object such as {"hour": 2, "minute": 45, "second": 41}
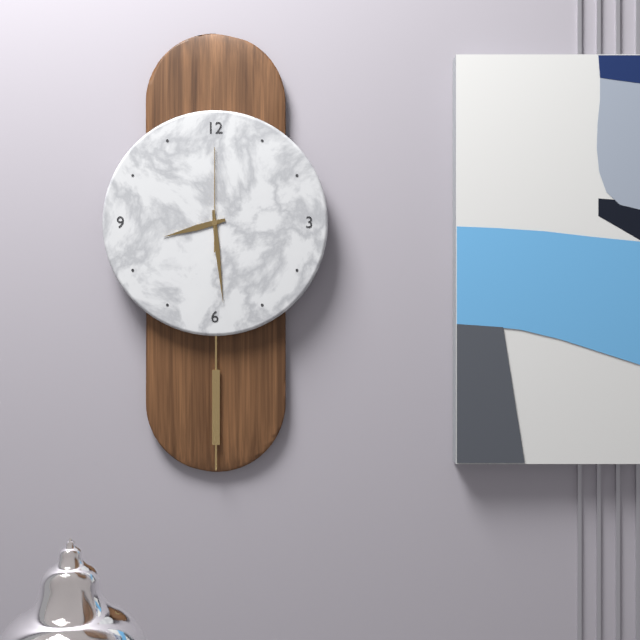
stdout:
{"hour": 8, "minute": 29, "second": 0}
